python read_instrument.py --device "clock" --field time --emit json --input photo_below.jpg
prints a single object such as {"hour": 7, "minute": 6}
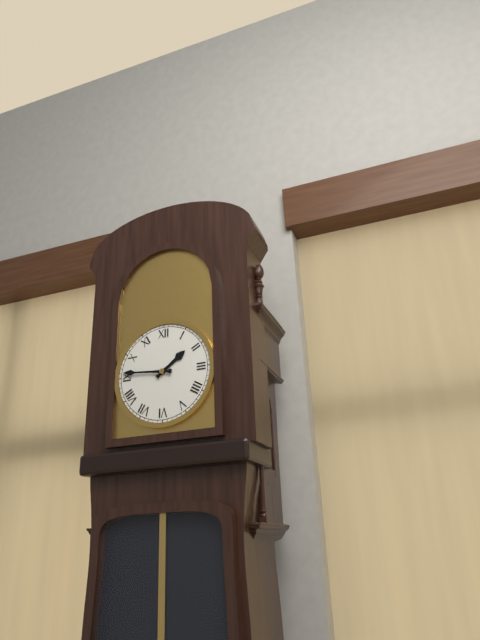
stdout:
{"hour": 1, "minute": 46}
